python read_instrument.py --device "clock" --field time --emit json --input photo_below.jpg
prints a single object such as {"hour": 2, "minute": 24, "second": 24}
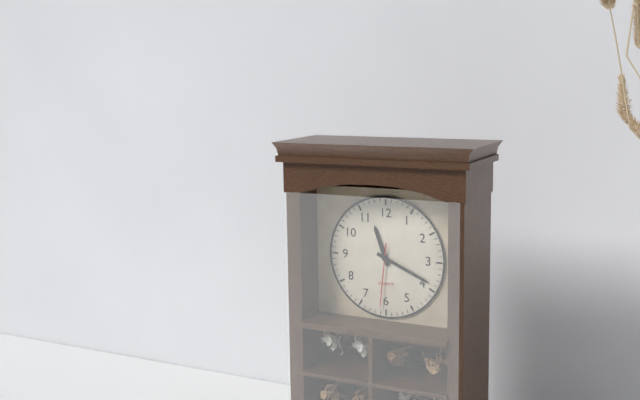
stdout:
{"hour": 11, "minute": 19, "second": 31}
